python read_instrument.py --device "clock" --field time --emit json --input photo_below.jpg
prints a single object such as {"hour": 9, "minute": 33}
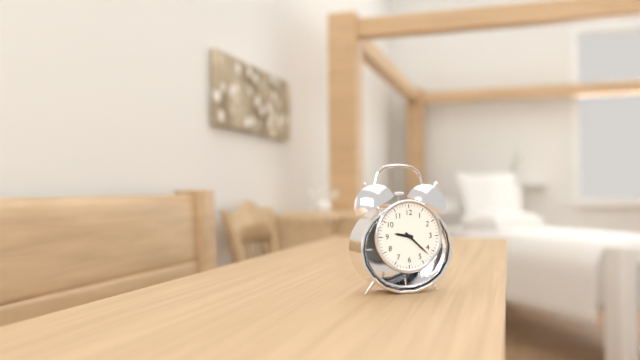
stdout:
{"hour": 9, "minute": 22}
